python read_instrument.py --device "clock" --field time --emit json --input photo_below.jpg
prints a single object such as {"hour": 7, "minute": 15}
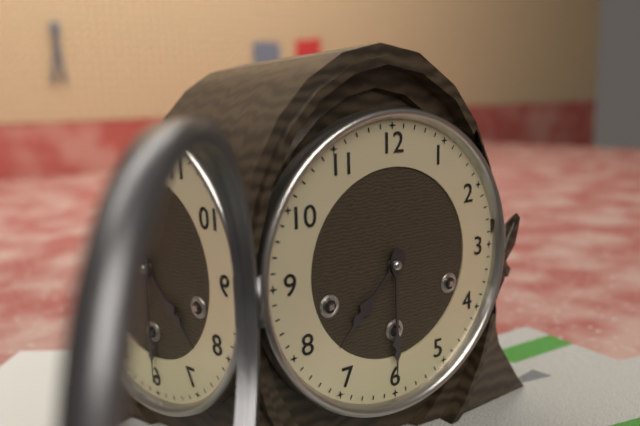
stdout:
{"hour": 7, "minute": 30}
